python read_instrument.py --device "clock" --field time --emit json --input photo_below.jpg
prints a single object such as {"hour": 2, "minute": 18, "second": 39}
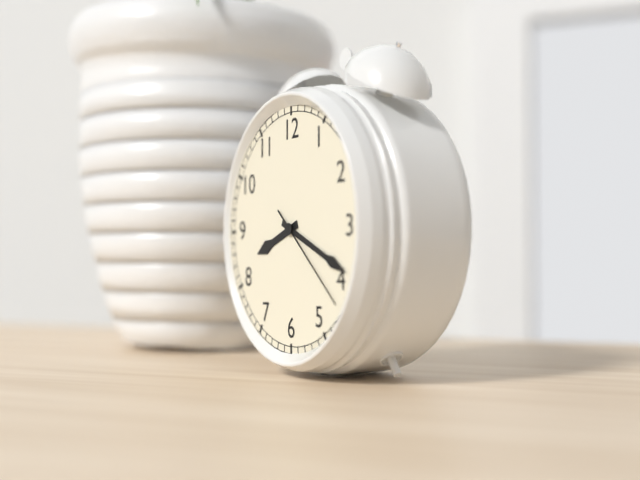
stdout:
{"hour": 8, "minute": 19, "second": 22}
